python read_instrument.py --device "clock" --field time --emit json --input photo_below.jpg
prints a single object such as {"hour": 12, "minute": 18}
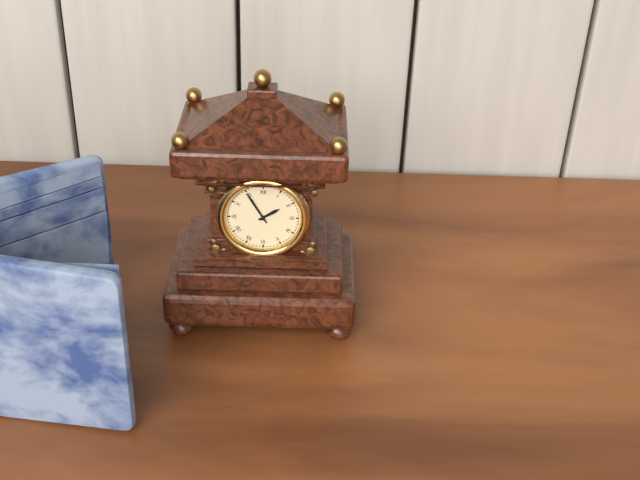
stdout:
{"hour": 1, "minute": 55}
